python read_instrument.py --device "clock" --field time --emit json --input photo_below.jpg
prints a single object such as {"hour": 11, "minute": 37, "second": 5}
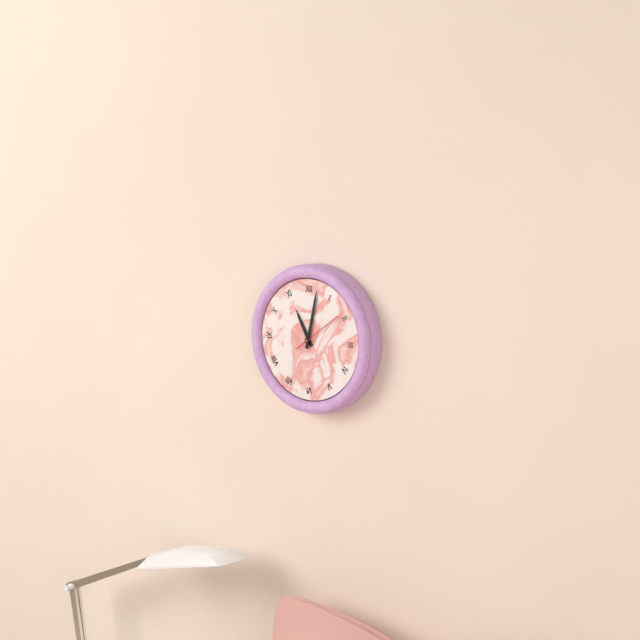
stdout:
{"hour": 11, "minute": 2, "second": 9}
